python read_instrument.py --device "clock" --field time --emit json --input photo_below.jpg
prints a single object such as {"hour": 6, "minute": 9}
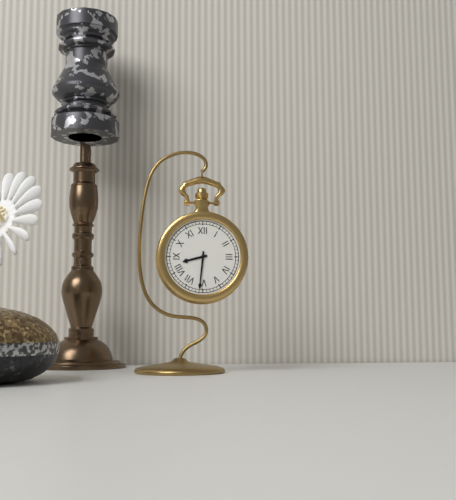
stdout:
{"hour": 8, "minute": 31}
